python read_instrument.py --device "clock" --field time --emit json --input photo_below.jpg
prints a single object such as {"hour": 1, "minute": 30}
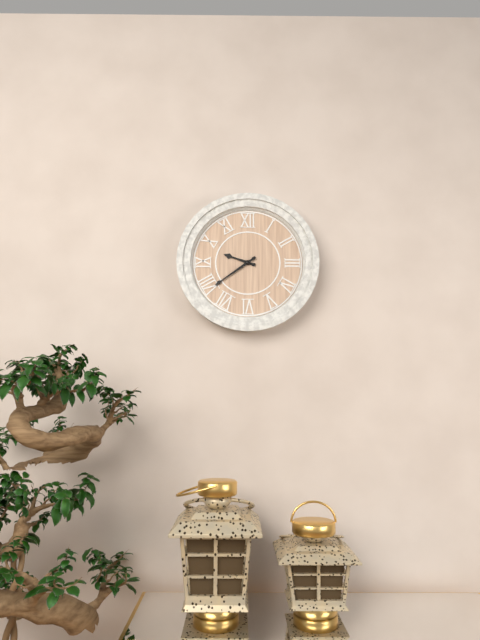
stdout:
{"hour": 9, "minute": 39}
